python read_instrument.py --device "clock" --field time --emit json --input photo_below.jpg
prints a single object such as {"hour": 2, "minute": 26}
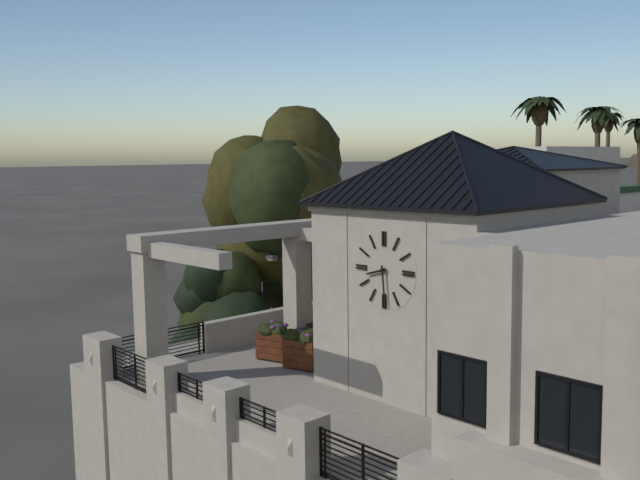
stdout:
{"hour": 8, "minute": 29}
